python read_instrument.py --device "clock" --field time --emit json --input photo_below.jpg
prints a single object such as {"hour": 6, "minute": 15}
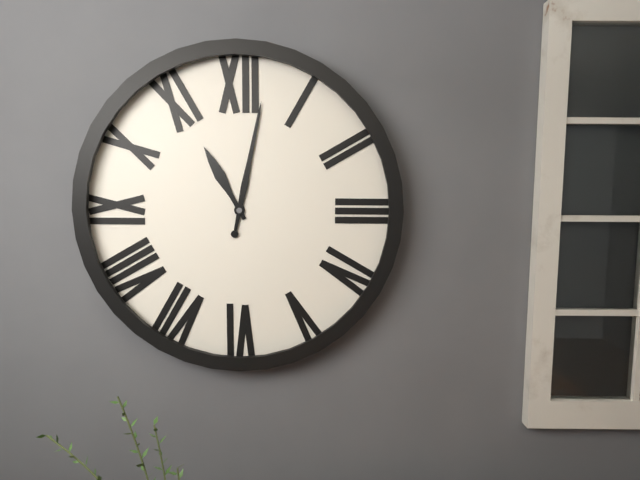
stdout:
{"hour": 11, "minute": 2}
